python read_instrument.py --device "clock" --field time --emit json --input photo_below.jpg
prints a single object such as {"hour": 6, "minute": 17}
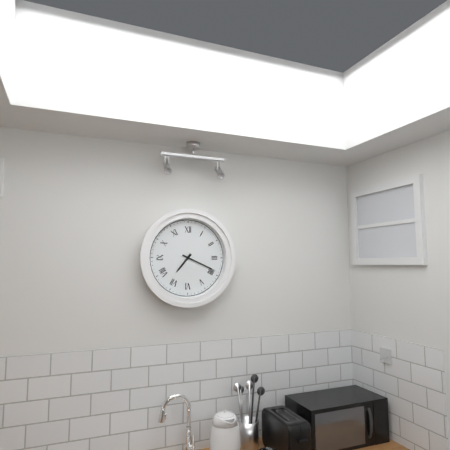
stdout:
{"hour": 7, "minute": 19}
